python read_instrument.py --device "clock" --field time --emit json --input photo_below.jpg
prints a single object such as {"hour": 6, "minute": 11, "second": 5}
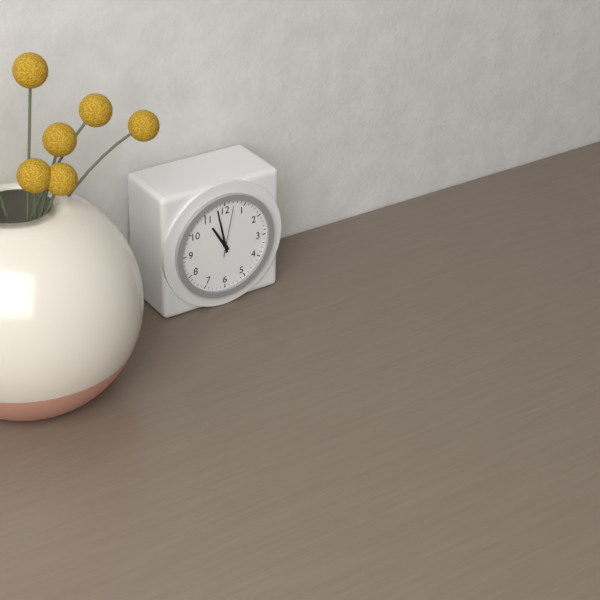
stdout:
{"hour": 10, "minute": 58, "second": 2}
